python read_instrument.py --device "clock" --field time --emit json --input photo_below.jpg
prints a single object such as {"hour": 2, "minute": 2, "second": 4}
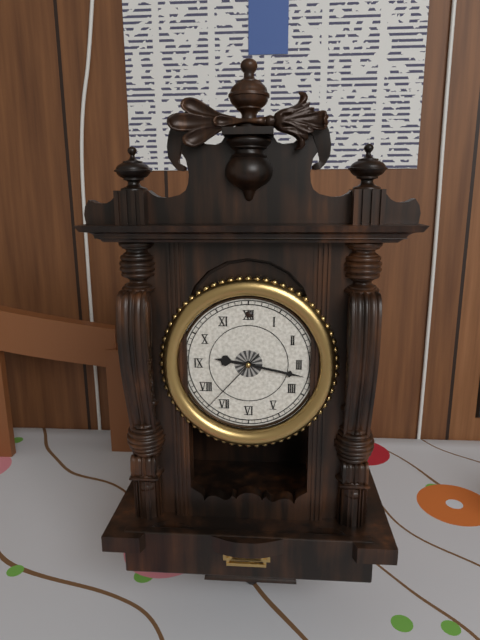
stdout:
{"hour": 9, "minute": 17, "second": 37}
